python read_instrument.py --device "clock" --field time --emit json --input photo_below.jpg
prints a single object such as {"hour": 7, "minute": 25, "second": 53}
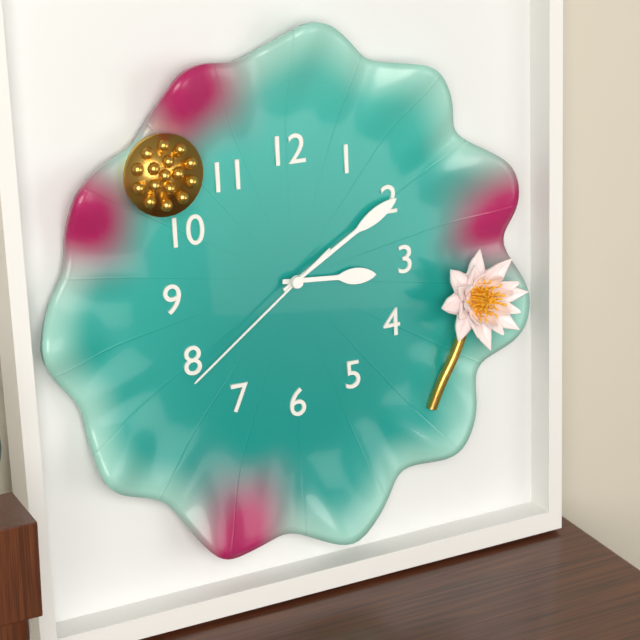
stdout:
{"hour": 3, "minute": 10, "second": 39}
